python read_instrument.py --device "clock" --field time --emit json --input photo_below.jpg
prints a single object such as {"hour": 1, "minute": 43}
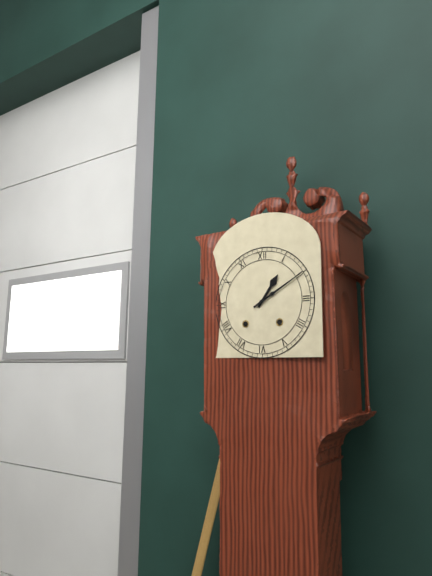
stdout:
{"hour": 1, "minute": 10}
